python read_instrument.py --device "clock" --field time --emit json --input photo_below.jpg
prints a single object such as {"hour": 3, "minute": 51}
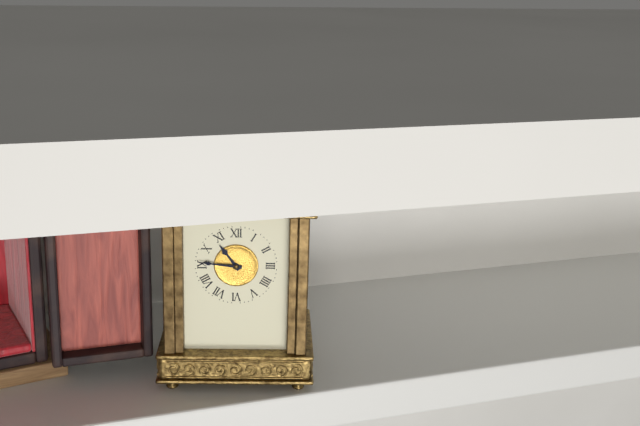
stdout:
{"hour": 10, "minute": 46}
